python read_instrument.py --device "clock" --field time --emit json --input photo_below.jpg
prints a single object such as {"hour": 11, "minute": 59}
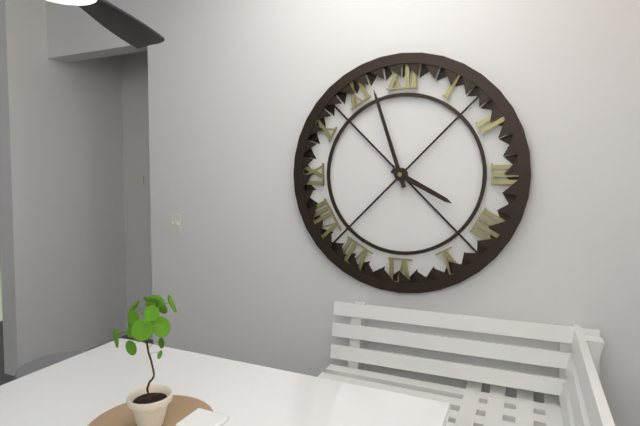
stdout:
{"hour": 3, "minute": 57}
